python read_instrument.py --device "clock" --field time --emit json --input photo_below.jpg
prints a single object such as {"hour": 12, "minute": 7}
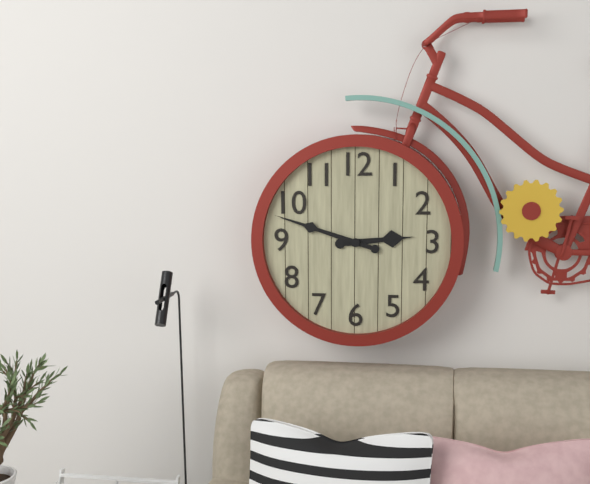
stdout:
{"hour": 2, "minute": 48}
